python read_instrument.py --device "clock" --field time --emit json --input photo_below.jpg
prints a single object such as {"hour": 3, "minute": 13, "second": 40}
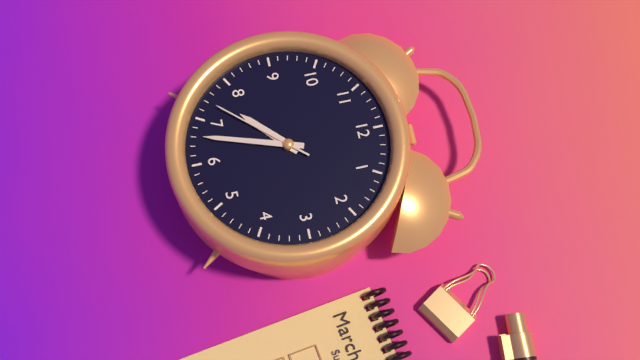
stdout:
{"hour": 7, "minute": 33, "second": 37}
